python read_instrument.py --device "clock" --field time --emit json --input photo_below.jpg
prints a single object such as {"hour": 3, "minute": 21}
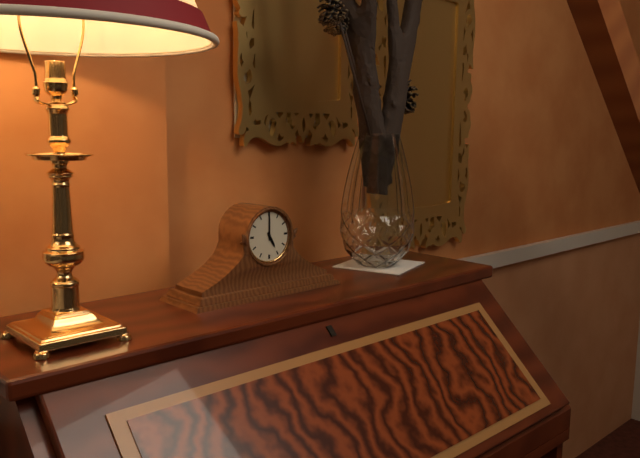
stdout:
{"hour": 5, "minute": 0}
